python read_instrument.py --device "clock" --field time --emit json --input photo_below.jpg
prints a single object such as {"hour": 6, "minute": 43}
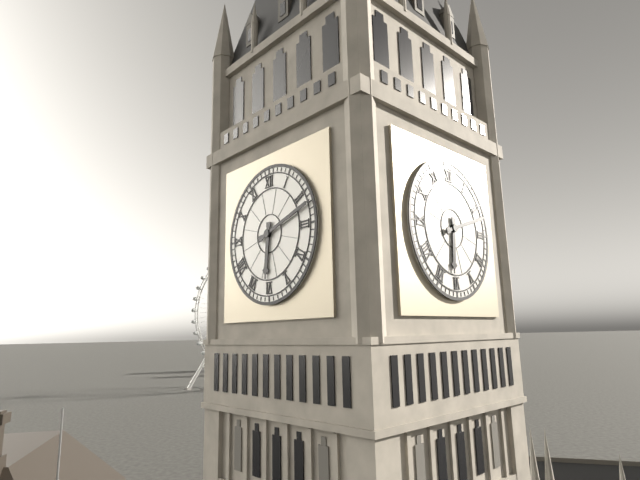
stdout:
{"hour": 6, "minute": 12}
